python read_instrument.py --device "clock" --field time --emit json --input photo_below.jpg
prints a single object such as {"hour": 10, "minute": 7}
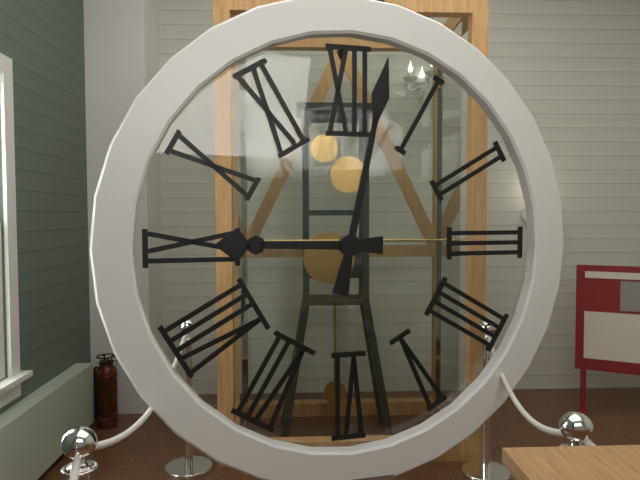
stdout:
{"hour": 9, "minute": 2}
